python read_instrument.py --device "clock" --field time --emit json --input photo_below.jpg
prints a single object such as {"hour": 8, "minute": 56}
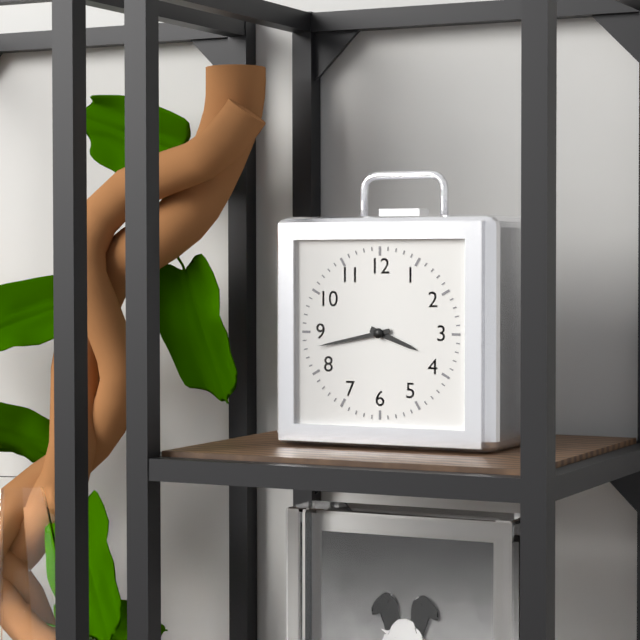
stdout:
{"hour": 3, "minute": 43}
